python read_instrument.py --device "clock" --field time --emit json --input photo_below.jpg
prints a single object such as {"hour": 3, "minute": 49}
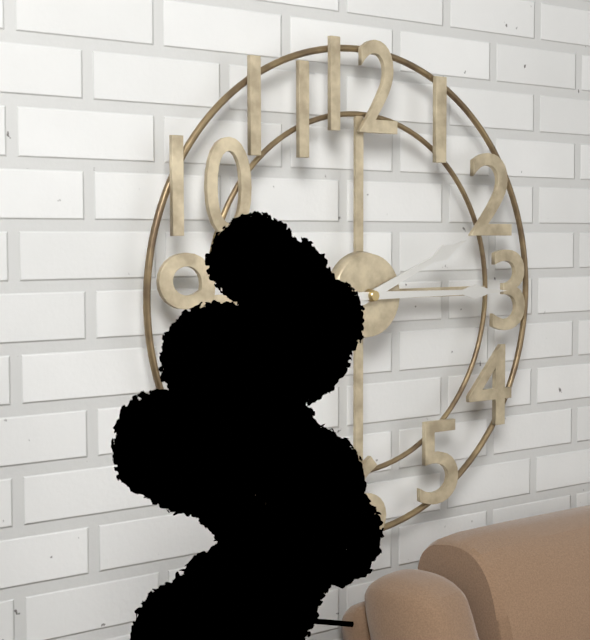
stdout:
{"hour": 2, "minute": 15}
